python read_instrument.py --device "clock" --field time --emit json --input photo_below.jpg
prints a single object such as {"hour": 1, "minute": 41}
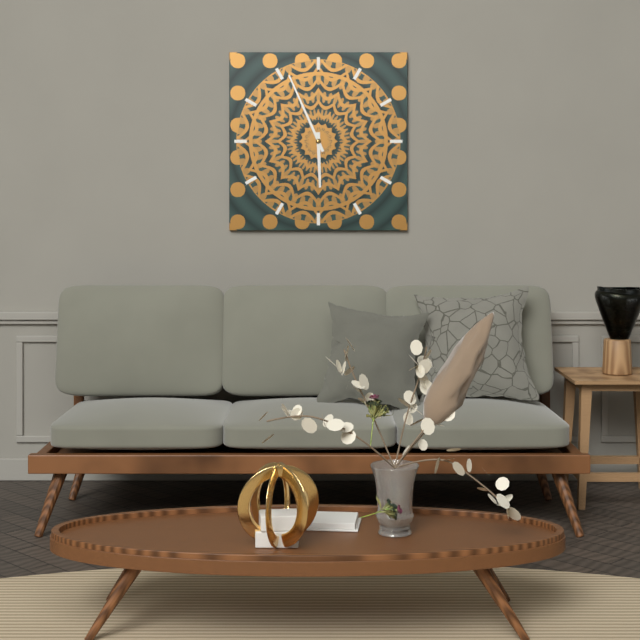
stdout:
{"hour": 5, "minute": 56}
